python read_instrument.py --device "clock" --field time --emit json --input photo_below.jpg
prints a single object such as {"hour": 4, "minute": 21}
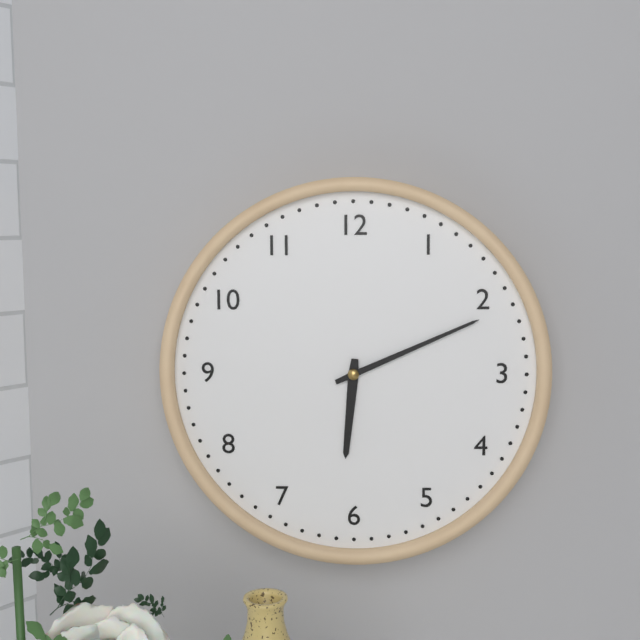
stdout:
{"hour": 6, "minute": 11}
